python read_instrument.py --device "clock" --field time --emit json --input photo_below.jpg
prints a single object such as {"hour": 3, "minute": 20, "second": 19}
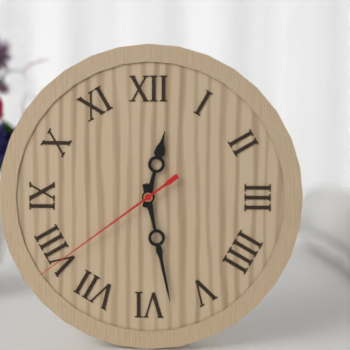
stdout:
{"hour": 12, "minute": 28, "second": 39}
